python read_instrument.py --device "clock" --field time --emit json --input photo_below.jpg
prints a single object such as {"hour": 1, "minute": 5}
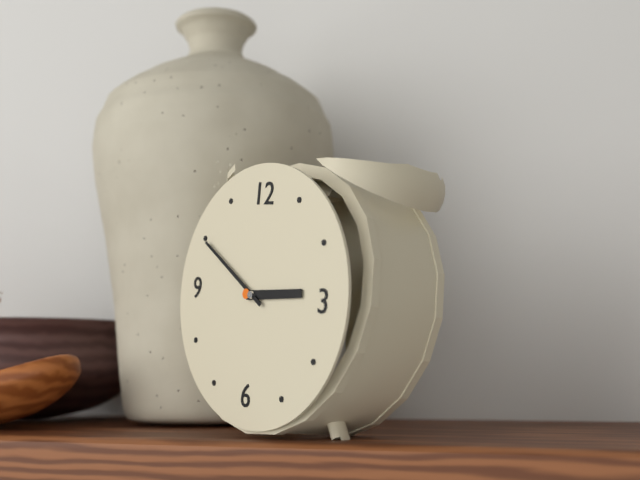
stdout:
{"hour": 2, "minute": 50}
